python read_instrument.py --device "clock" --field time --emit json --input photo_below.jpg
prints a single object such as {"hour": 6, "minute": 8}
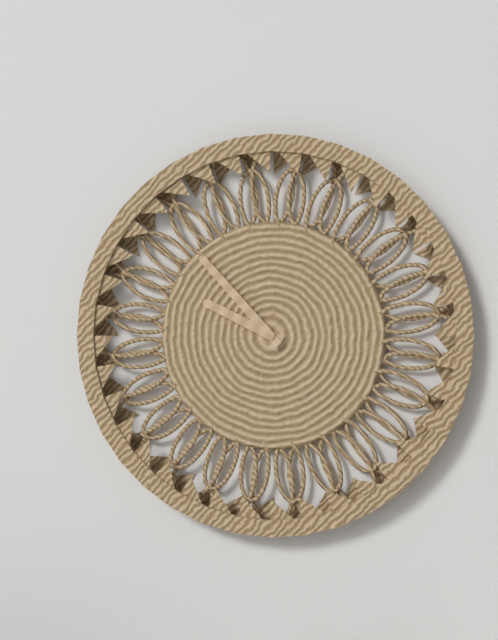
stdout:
{"hour": 9, "minute": 53}
